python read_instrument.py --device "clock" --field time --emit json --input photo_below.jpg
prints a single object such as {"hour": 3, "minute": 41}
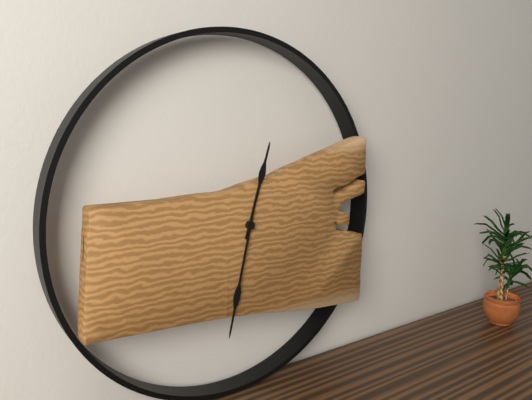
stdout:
{"hour": 12, "minute": 32}
